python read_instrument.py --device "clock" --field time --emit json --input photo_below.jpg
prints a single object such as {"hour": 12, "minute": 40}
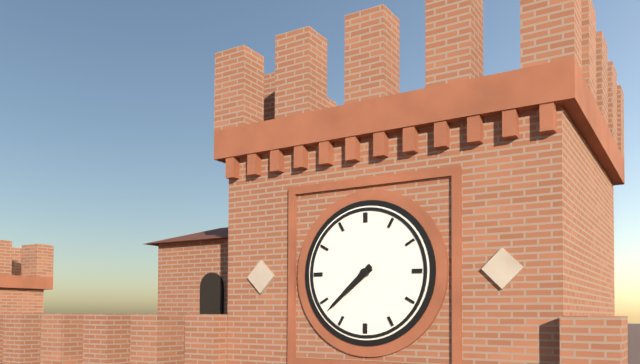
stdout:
{"hour": 7, "minute": 38}
